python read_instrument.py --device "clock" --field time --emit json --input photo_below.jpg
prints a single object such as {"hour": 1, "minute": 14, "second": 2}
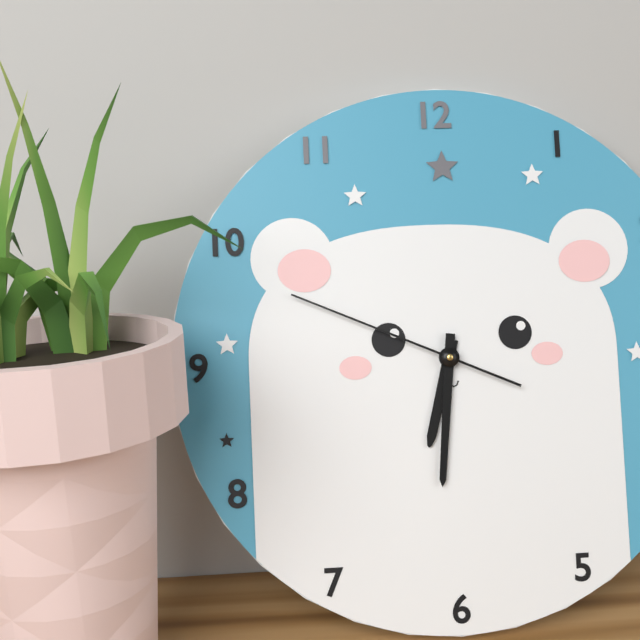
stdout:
{"hour": 6, "minute": 31, "second": 49}
